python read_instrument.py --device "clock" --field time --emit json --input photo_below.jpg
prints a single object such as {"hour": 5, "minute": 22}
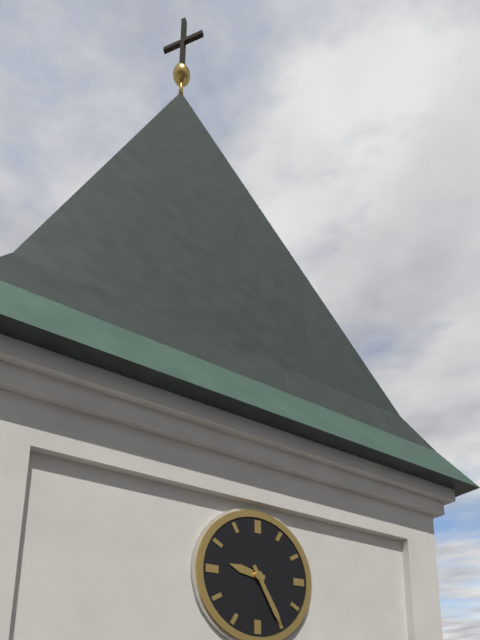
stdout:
{"hour": 9, "minute": 25}
